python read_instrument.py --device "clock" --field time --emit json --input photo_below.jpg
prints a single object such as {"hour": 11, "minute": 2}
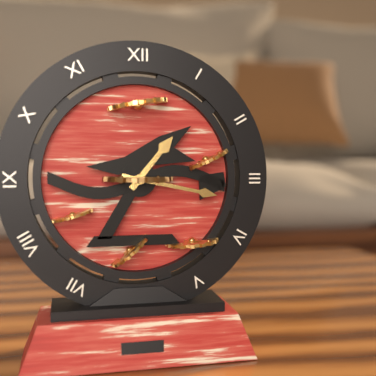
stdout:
{"hour": 1, "minute": 17}
